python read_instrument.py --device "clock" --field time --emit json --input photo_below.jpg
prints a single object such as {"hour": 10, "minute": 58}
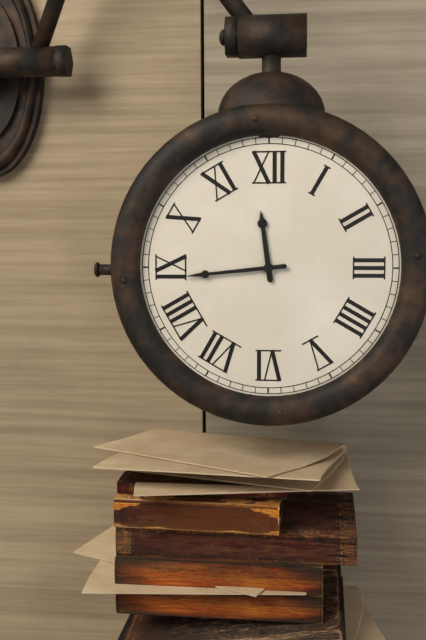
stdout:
{"hour": 11, "minute": 44}
